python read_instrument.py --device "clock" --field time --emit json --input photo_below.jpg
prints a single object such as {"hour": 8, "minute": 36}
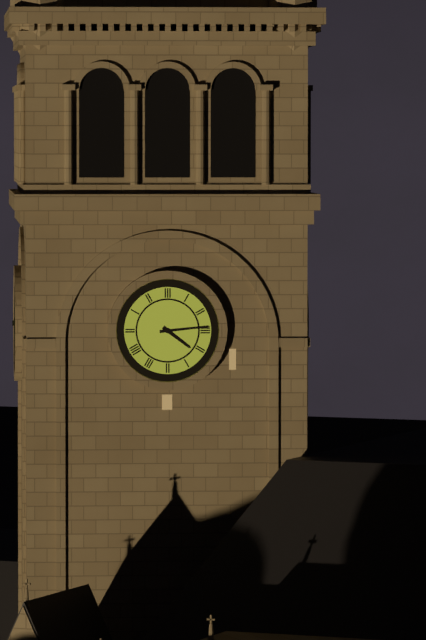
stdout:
{"hour": 4, "minute": 14}
